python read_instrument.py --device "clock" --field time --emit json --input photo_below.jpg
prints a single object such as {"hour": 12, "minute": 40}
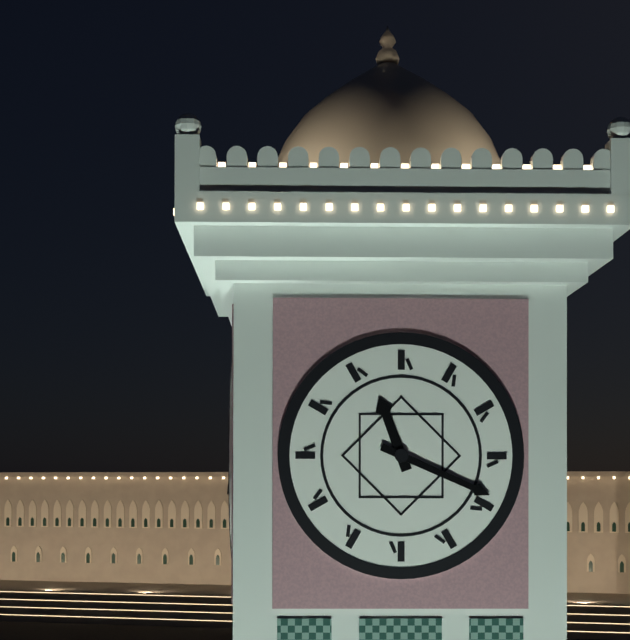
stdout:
{"hour": 11, "minute": 19}
